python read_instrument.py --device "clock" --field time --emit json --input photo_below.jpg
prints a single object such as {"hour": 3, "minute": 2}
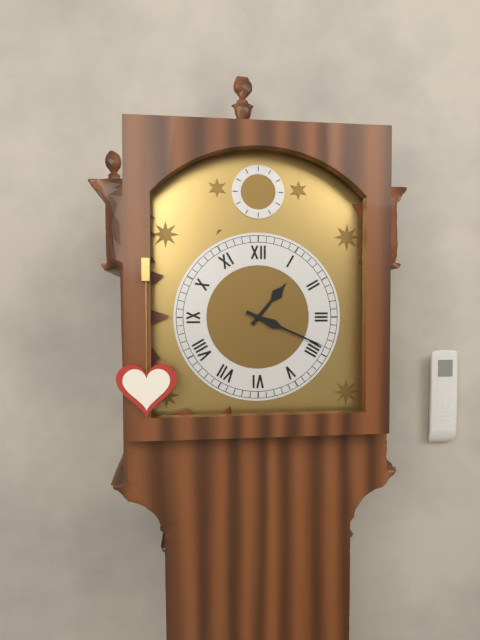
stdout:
{"hour": 1, "minute": 19}
